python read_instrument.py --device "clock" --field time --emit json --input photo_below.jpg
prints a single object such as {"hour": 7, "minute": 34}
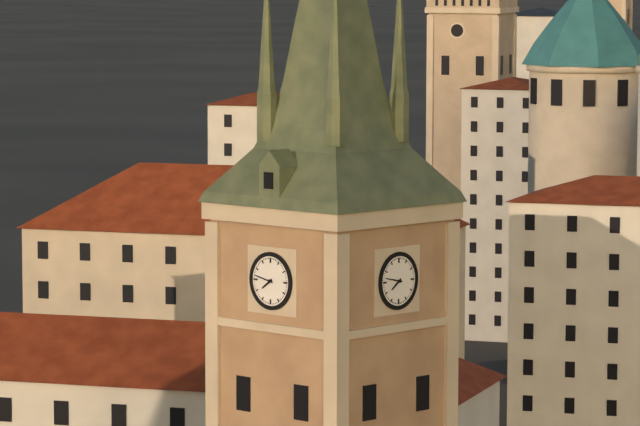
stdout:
{"hour": 7, "minute": 47}
